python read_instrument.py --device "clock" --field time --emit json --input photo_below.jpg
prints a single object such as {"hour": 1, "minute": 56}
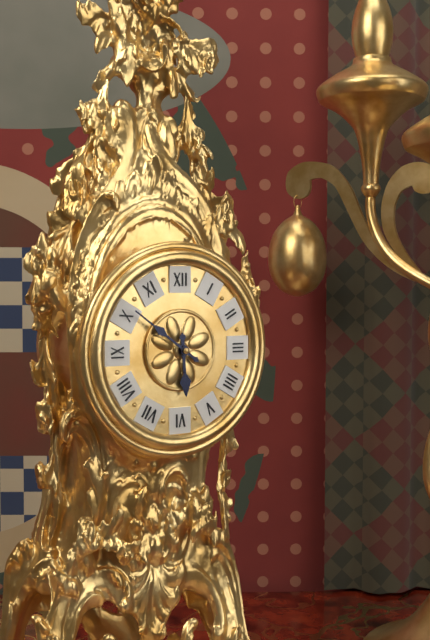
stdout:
{"hour": 5, "minute": 51}
